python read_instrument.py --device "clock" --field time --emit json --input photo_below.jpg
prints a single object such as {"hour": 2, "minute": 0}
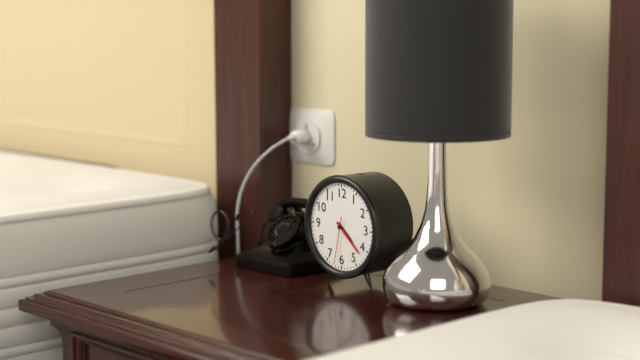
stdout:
{"hour": 4, "minute": 22}
